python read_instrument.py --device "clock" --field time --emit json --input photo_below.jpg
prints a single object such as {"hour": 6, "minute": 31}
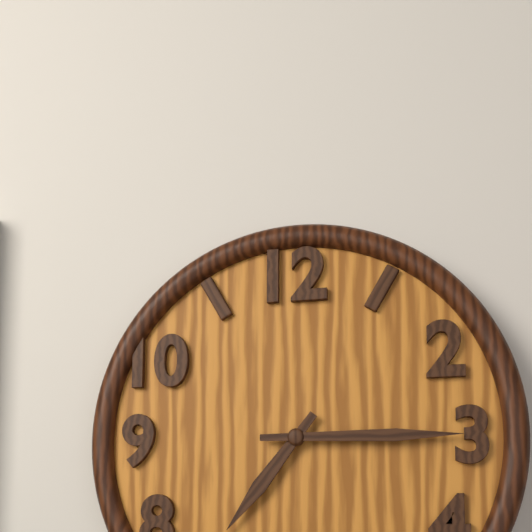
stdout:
{"hour": 7, "minute": 15}
